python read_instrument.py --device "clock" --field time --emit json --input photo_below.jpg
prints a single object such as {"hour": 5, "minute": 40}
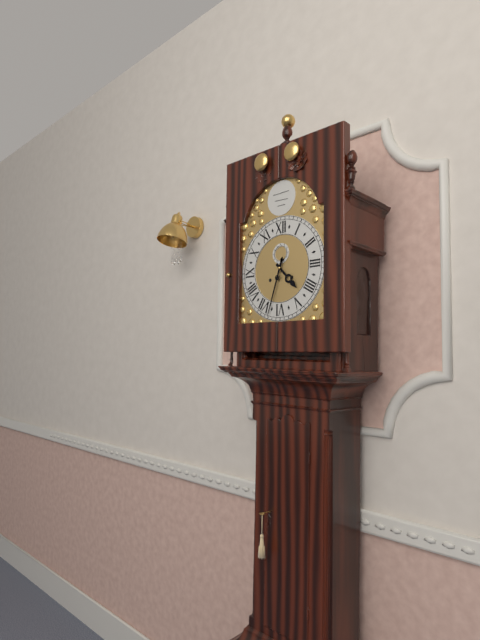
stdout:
{"hour": 4, "minute": 33}
